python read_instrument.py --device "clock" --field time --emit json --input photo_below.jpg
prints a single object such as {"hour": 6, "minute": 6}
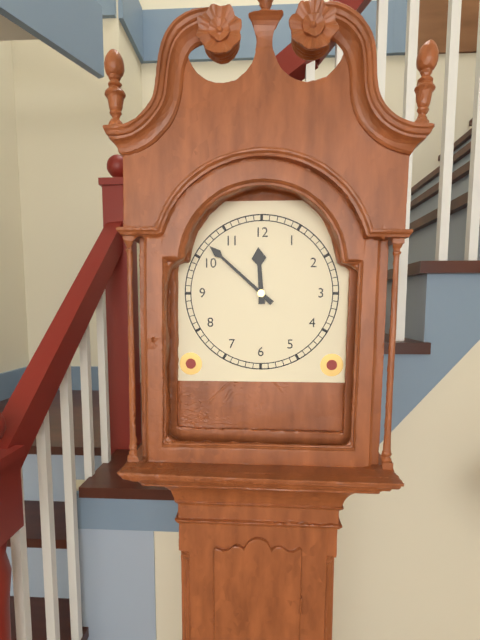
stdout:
{"hour": 11, "minute": 52}
